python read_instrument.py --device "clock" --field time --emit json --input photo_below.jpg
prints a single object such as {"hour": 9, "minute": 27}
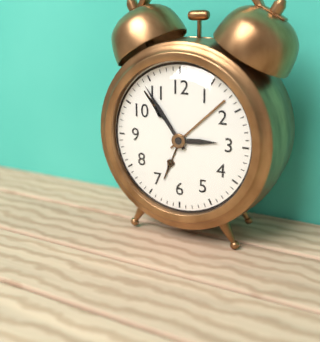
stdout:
{"hour": 2, "minute": 54}
